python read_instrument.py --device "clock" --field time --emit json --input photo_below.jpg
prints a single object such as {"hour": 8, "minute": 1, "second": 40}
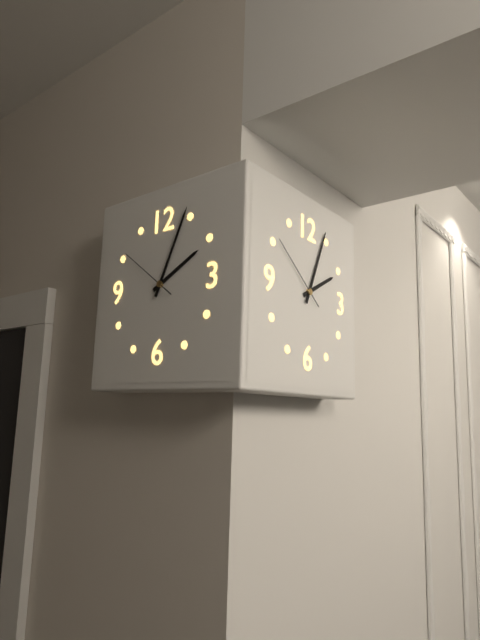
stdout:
{"hour": 2, "minute": 4, "second": 51}
